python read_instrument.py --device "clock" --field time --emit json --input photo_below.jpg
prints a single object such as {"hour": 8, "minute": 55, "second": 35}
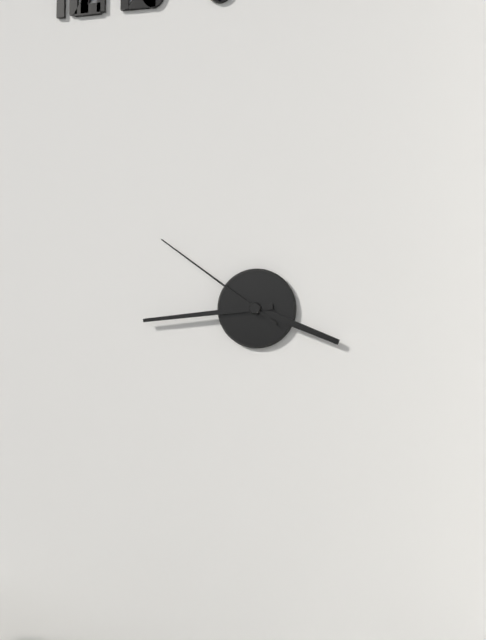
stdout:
{"hour": 3, "minute": 44, "second": 51}
